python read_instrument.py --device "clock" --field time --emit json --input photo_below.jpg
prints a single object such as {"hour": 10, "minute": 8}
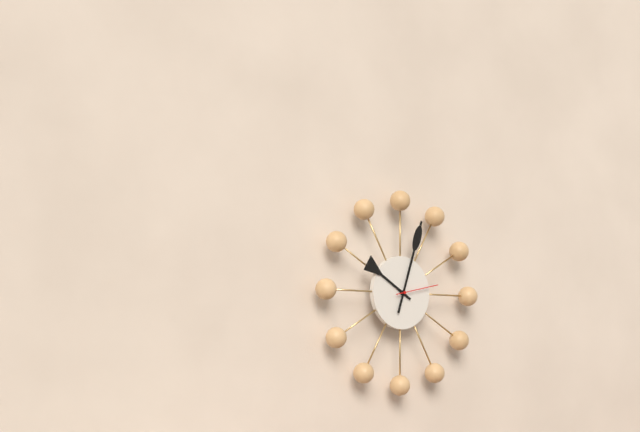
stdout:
{"hour": 10, "minute": 3}
